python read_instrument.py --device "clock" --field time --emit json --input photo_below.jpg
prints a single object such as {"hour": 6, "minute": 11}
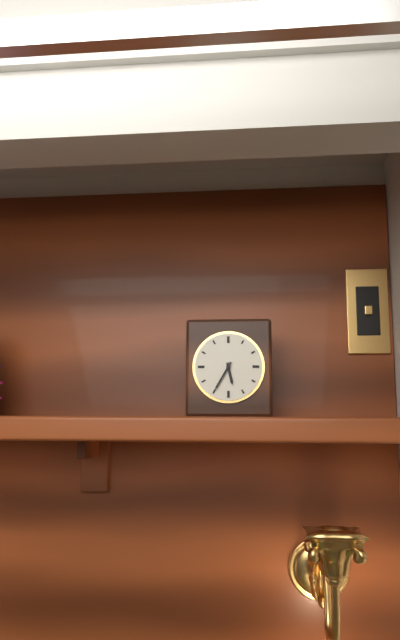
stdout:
{"hour": 5, "minute": 35}
